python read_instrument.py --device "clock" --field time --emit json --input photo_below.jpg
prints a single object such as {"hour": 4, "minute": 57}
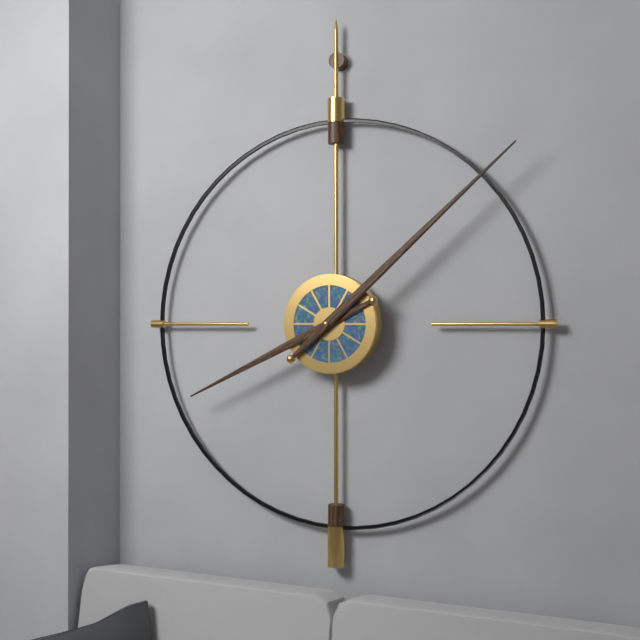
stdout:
{"hour": 8, "minute": 8}
